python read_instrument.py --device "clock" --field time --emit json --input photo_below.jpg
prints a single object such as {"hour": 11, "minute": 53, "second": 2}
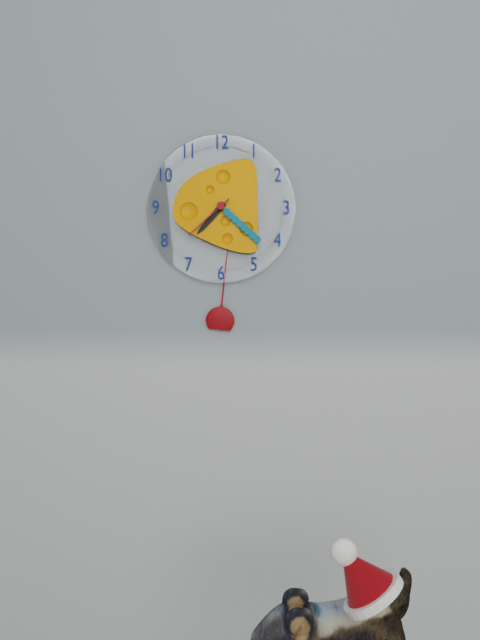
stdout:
{"hour": 7, "minute": 22, "second": 38}
